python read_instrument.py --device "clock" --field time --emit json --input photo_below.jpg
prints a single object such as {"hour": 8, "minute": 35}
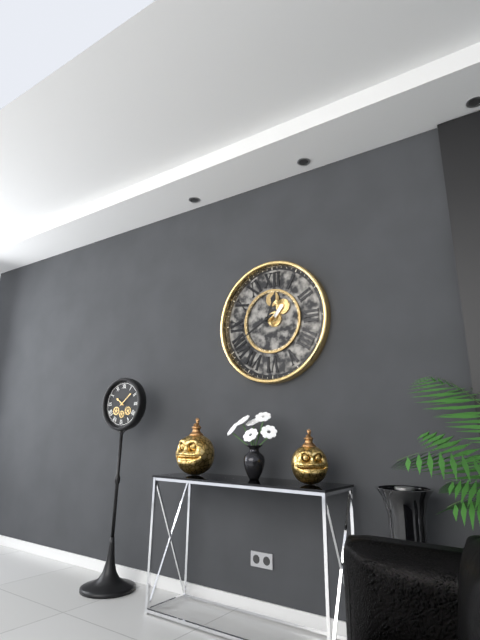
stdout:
{"hour": 12, "minute": 40}
